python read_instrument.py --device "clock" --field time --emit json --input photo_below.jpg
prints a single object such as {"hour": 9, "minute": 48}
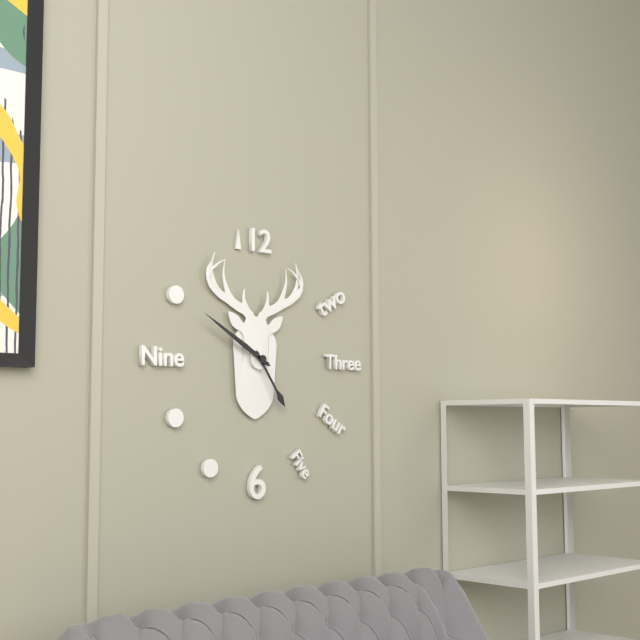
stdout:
{"hour": 4, "minute": 50}
